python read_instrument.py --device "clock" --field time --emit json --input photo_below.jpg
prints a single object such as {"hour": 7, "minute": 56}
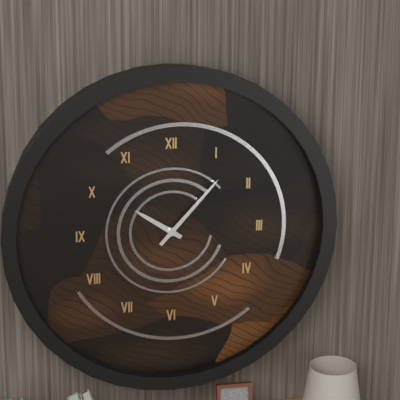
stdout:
{"hour": 10, "minute": 7}
